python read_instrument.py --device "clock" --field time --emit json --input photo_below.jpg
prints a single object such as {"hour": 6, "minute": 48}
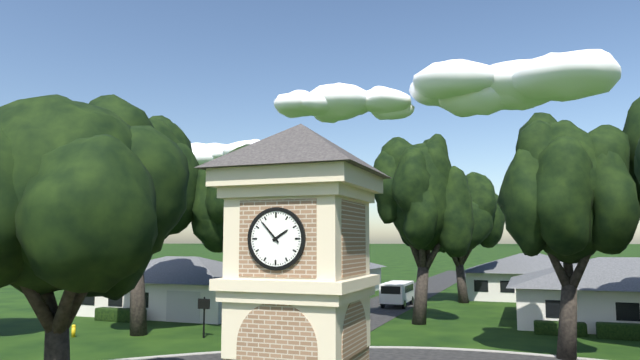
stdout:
{"hour": 1, "minute": 53}
